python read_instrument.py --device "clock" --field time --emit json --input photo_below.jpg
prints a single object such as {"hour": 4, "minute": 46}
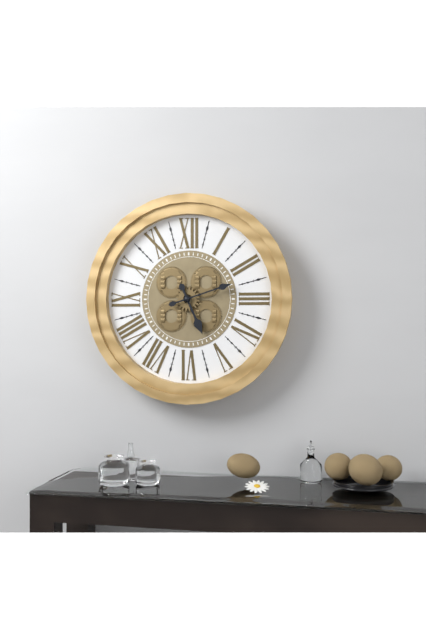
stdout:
{"hour": 5, "minute": 12}
